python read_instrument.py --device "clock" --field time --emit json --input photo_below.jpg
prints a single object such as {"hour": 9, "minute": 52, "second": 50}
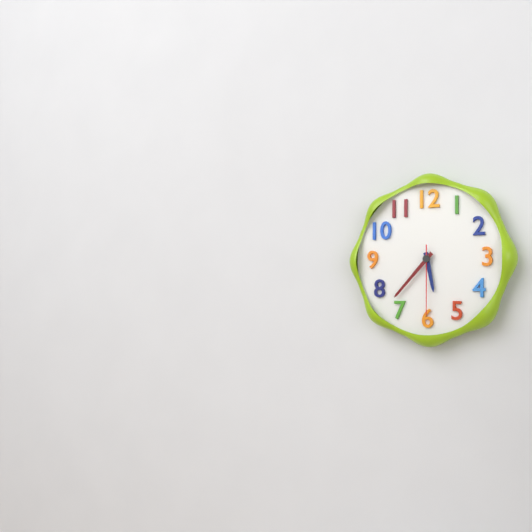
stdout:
{"hour": 5, "minute": 37, "second": 30}
